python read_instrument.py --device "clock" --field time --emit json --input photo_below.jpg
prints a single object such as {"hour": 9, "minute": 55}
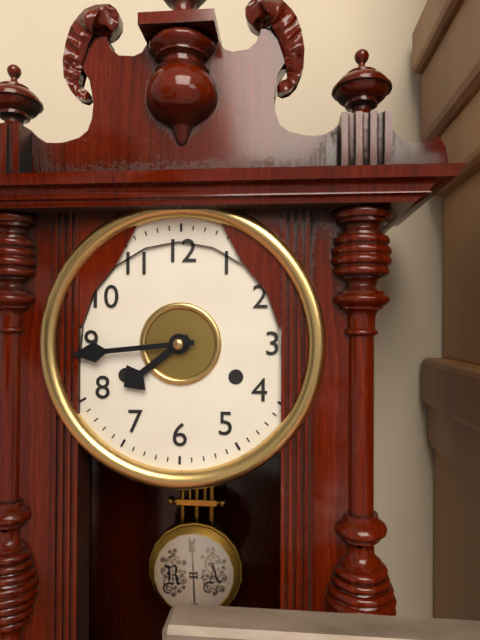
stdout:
{"hour": 7, "minute": 44}
